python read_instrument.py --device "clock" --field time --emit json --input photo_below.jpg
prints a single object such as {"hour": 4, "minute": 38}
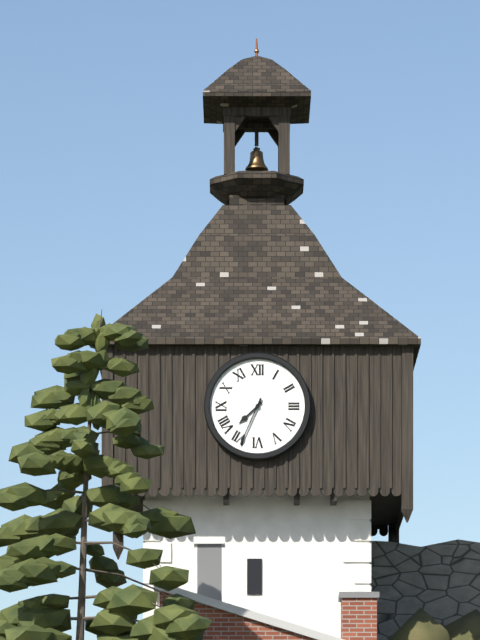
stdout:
{"hour": 7, "minute": 34}
